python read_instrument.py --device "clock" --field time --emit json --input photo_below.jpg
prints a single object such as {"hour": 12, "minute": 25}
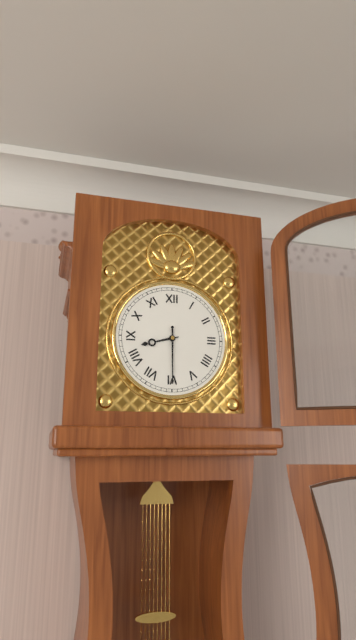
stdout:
{"hour": 8, "minute": 30}
